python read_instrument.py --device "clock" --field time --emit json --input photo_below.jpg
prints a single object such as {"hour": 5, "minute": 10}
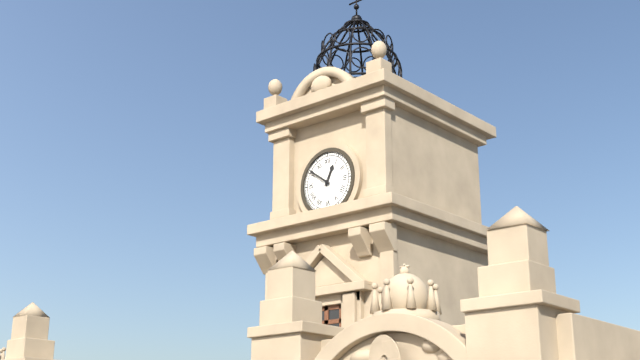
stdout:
{"hour": 12, "minute": 51}
